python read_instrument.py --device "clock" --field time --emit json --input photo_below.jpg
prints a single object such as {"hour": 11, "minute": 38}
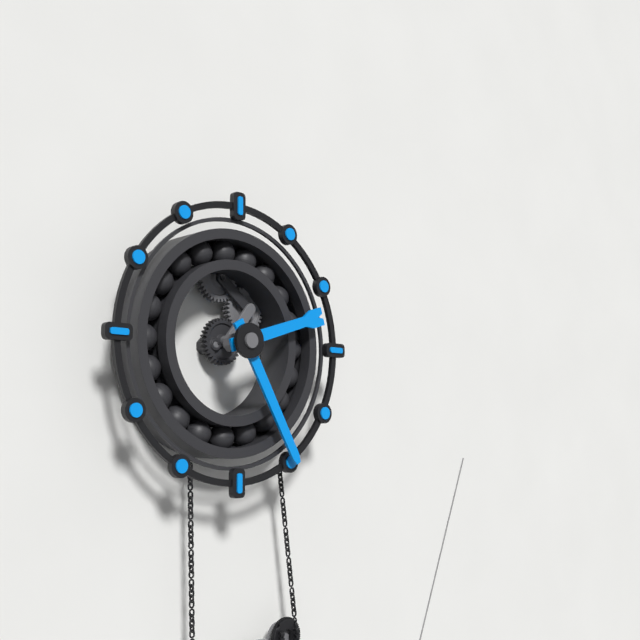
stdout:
{"hour": 2, "minute": 25}
